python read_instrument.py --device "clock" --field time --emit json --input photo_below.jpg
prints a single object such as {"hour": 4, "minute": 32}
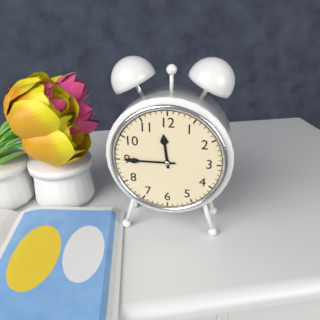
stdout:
{"hour": 11, "minute": 45}
